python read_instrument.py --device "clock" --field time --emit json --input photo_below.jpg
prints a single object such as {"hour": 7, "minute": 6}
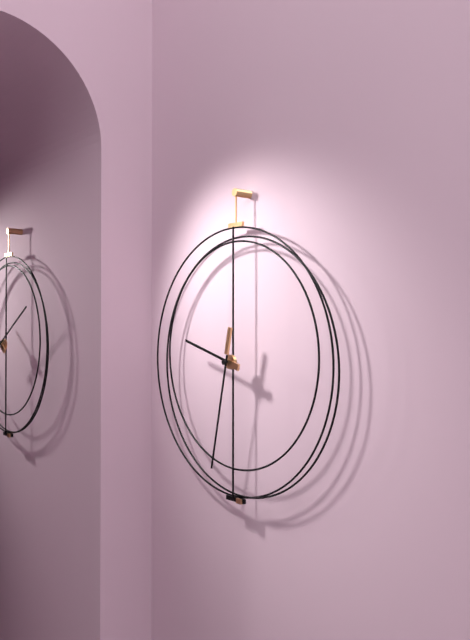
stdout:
{"hour": 9, "minute": 32}
